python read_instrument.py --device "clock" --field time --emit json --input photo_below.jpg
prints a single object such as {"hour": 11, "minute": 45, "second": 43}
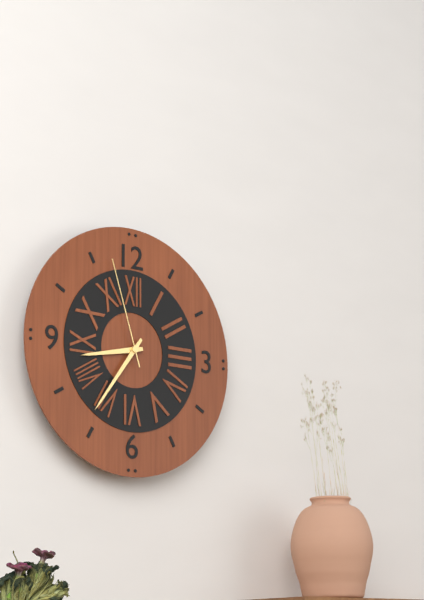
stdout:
{"hour": 8, "minute": 36, "second": 57}
